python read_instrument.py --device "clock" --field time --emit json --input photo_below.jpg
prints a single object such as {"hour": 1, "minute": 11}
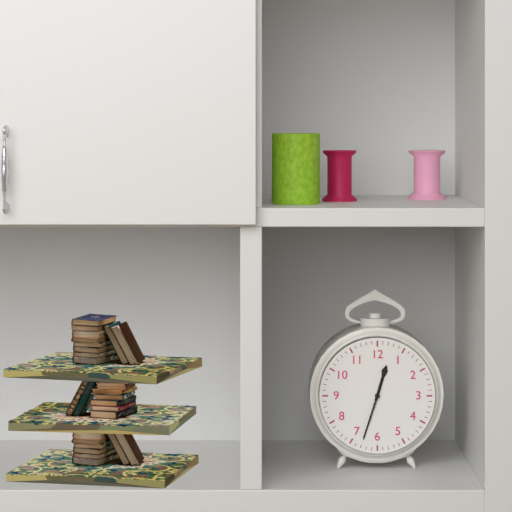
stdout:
{"hour": 12, "minute": 33}
